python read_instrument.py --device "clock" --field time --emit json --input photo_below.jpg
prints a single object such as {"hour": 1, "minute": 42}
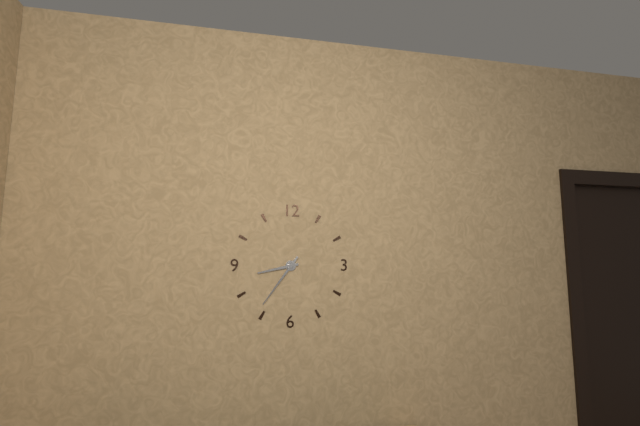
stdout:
{"hour": 8, "minute": 36}
